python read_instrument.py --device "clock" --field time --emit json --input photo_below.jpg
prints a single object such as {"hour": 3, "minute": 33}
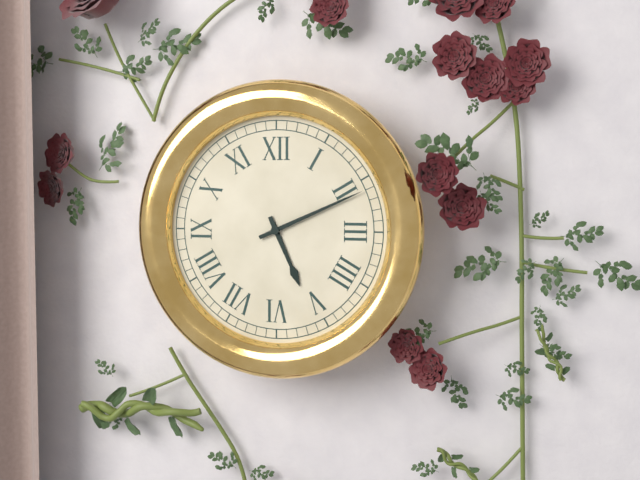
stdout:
{"hour": 5, "minute": 11}
